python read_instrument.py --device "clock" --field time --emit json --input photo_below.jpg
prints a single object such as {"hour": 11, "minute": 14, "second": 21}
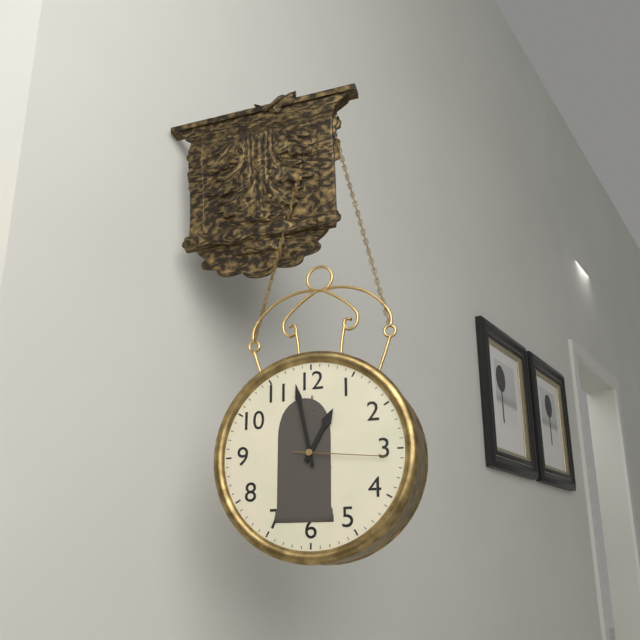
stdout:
{"hour": 12, "minute": 58, "second": 16}
